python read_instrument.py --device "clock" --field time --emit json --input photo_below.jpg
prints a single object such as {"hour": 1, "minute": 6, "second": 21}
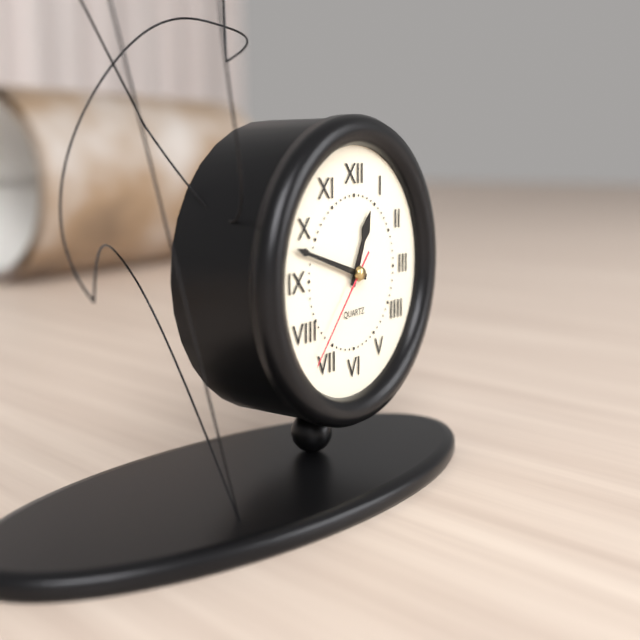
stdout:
{"hour": 12, "minute": 48, "second": 37}
